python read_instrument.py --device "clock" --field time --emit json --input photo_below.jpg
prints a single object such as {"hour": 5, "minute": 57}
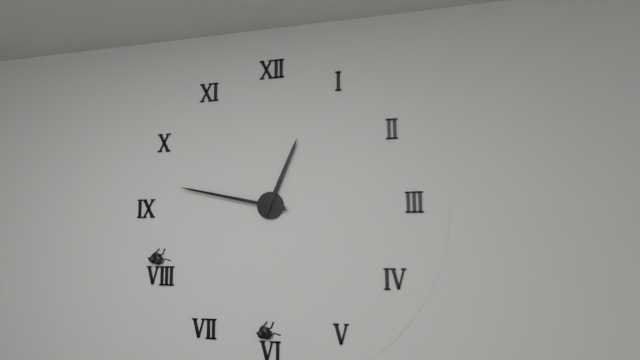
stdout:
{"hour": 12, "minute": 47}
